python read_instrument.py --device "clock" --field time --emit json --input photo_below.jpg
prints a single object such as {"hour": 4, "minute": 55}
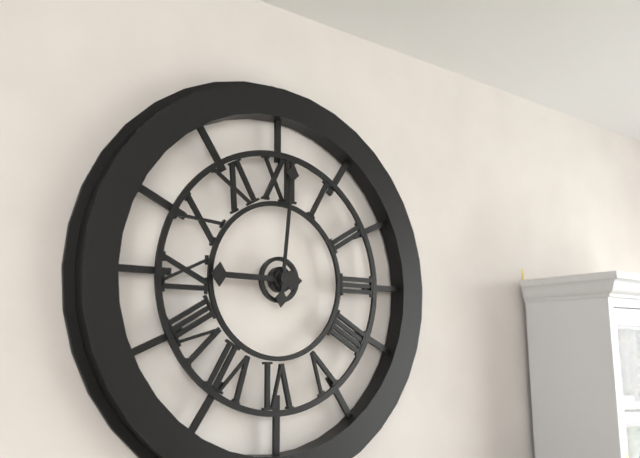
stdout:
{"hour": 9, "minute": 1}
